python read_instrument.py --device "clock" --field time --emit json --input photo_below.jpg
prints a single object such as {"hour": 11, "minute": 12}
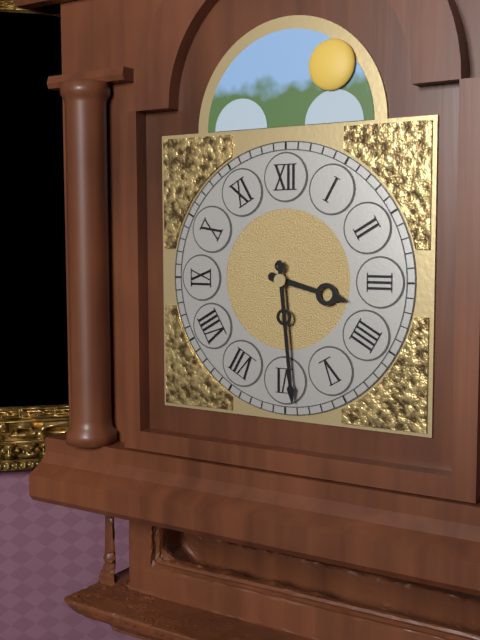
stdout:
{"hour": 3, "minute": 29}
